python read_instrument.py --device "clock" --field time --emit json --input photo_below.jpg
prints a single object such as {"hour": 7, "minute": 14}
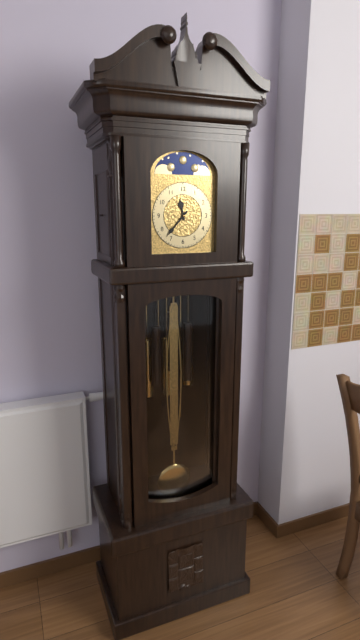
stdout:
{"hour": 11, "minute": 37}
